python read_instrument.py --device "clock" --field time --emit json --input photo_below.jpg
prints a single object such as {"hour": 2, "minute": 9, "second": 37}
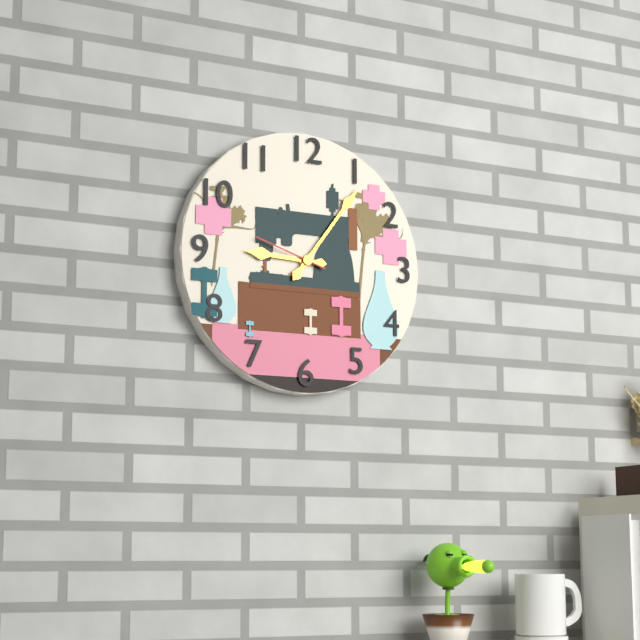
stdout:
{"hour": 9, "minute": 6, "second": 48}
